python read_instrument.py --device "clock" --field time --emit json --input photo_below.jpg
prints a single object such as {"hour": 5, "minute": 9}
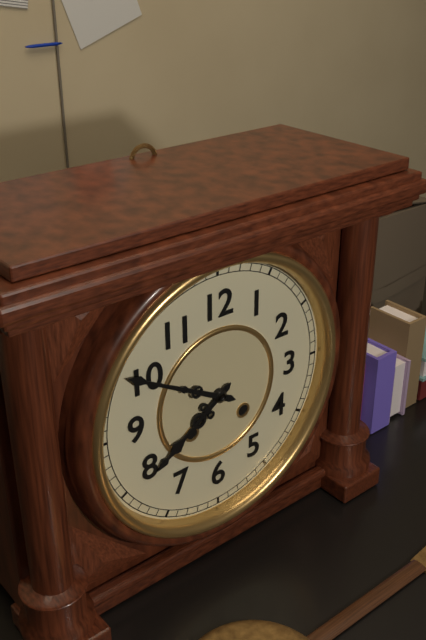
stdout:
{"hour": 7, "minute": 50}
